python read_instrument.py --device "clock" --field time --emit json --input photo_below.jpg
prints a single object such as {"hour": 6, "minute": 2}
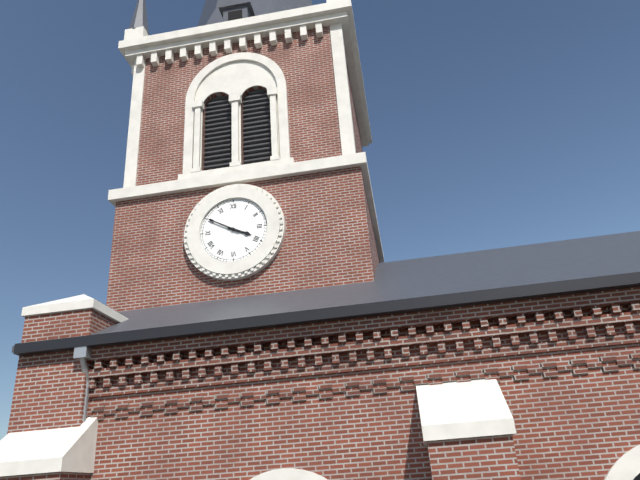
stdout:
{"hour": 3, "minute": 50}
